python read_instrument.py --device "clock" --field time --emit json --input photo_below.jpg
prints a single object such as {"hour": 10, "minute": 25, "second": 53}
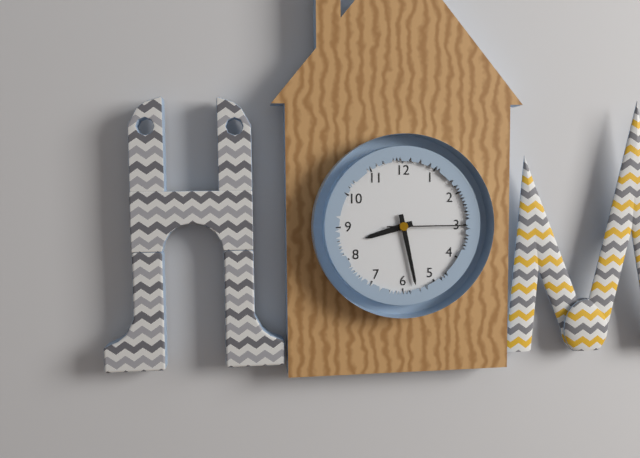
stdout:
{"hour": 8, "minute": 28, "second": 15}
